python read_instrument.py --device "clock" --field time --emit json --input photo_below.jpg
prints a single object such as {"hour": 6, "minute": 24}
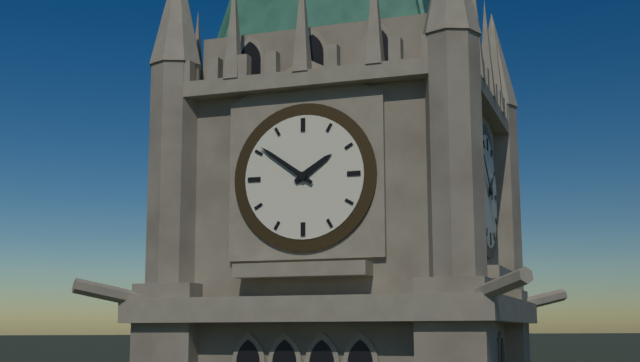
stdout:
{"hour": 1, "minute": 51}
